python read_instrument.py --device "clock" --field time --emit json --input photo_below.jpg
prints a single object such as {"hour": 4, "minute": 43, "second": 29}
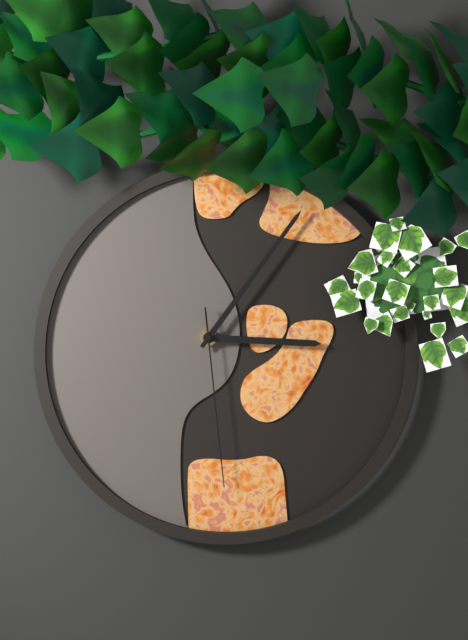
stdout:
{"hour": 3, "minute": 6, "second": 29}
